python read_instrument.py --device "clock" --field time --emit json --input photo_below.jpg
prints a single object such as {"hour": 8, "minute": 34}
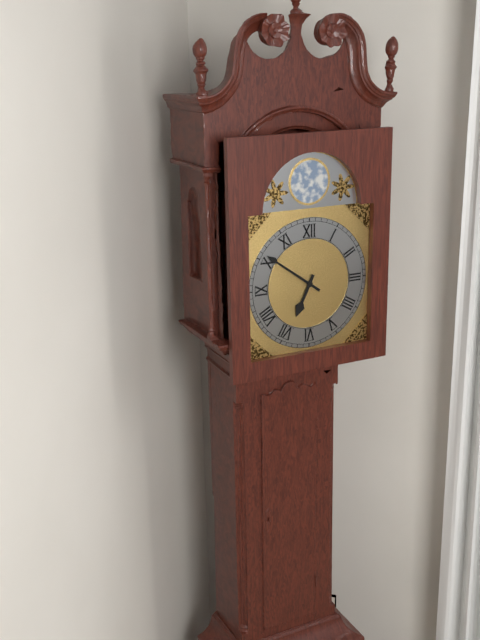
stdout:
{"hour": 6, "minute": 51}
